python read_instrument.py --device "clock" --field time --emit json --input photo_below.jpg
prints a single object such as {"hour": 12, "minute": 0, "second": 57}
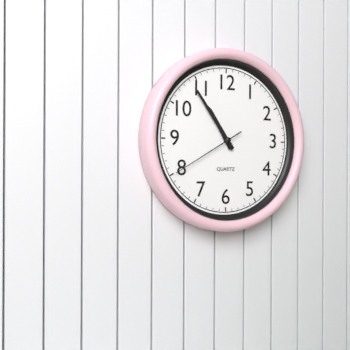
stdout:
{"hour": 10, "minute": 54, "second": 40}
